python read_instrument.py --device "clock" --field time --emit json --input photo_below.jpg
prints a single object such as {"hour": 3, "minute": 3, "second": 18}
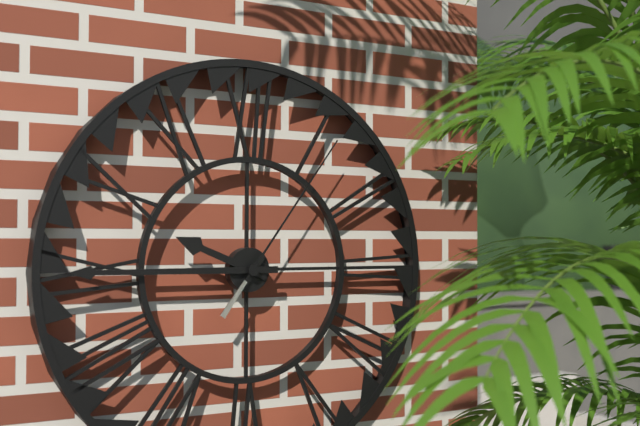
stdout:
{"hour": 9, "minute": 45, "second": 6}
